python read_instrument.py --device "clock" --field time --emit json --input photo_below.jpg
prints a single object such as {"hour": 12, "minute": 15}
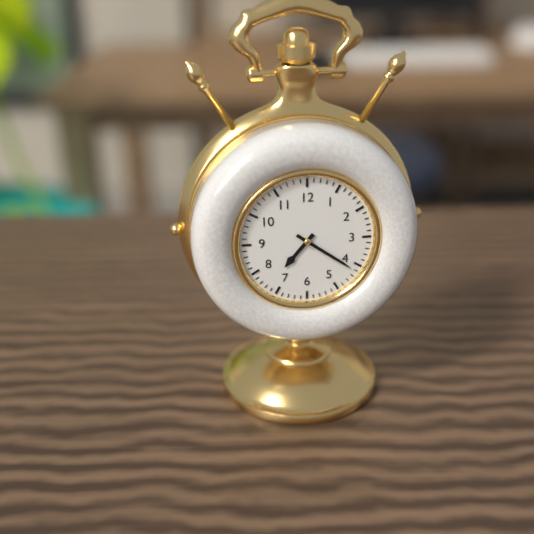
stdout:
{"hour": 7, "minute": 21}
